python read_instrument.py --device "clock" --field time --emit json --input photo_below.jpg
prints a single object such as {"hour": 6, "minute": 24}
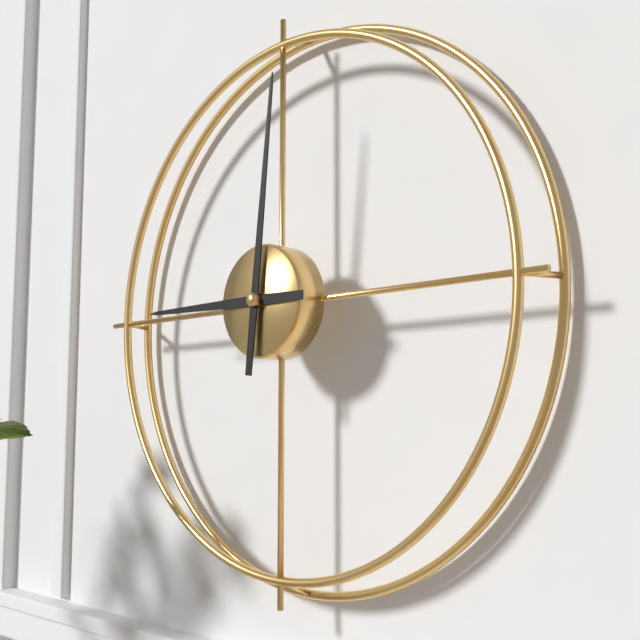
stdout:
{"hour": 9, "minute": 1}
